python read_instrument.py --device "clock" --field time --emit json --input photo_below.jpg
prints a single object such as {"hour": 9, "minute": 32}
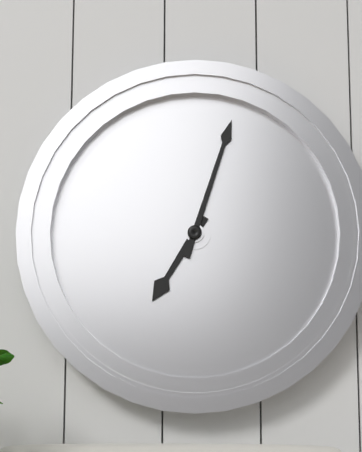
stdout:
{"hour": 7, "minute": 3}
